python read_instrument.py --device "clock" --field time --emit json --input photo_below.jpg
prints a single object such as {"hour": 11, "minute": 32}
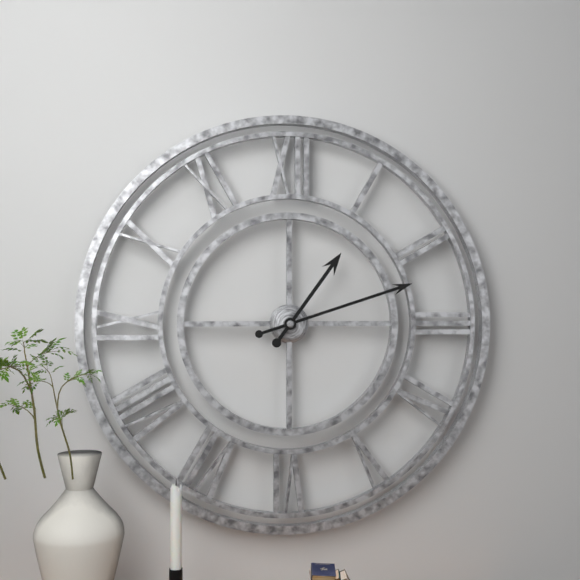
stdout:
{"hour": 1, "minute": 12}
